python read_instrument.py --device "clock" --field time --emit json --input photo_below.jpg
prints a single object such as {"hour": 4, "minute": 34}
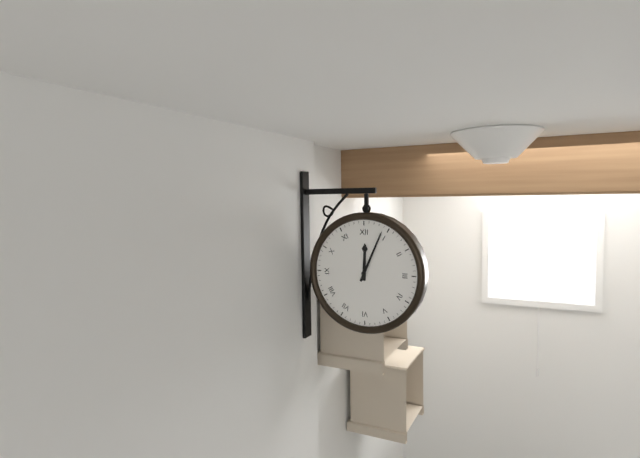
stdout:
{"hour": 12, "minute": 4}
